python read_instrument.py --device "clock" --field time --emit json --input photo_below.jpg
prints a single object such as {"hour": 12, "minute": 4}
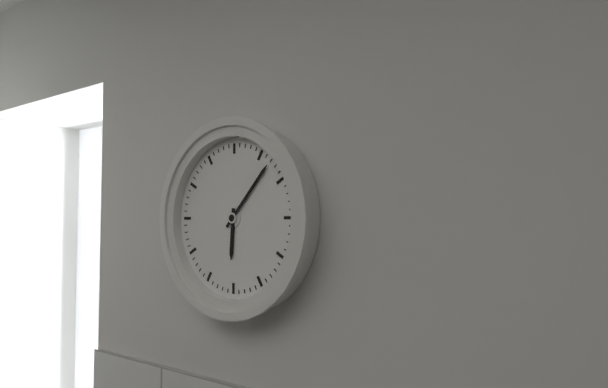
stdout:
{"hour": 6, "minute": 7}
